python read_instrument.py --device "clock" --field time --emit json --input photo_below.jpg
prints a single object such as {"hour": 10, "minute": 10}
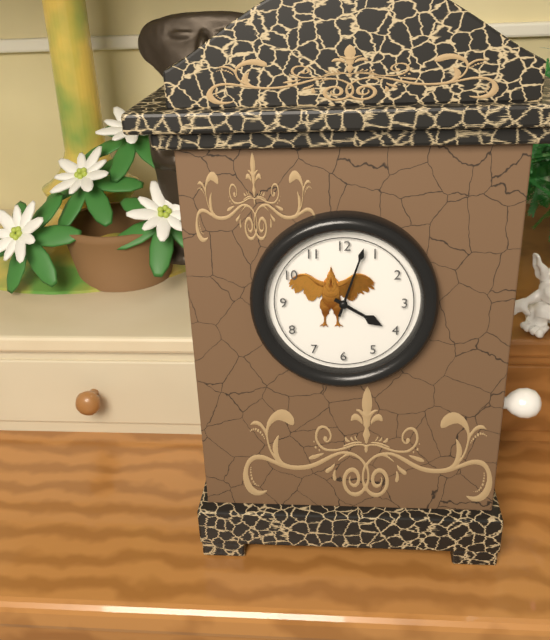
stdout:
{"hour": 4, "minute": 3}
